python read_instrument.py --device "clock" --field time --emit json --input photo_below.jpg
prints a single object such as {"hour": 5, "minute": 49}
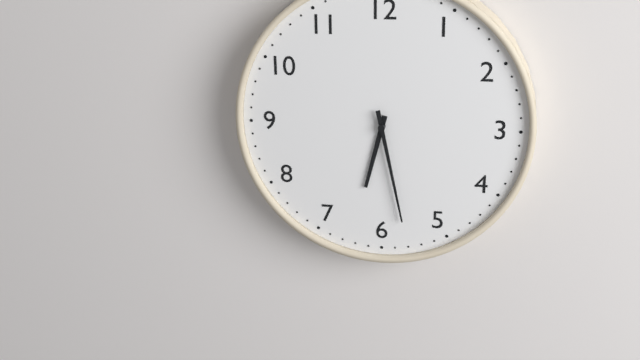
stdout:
{"hour": 6, "minute": 28}
